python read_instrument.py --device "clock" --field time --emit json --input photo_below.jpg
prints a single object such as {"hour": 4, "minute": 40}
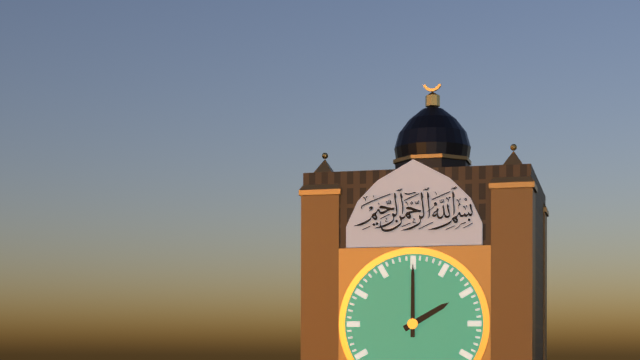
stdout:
{"hour": 2, "minute": 0}
